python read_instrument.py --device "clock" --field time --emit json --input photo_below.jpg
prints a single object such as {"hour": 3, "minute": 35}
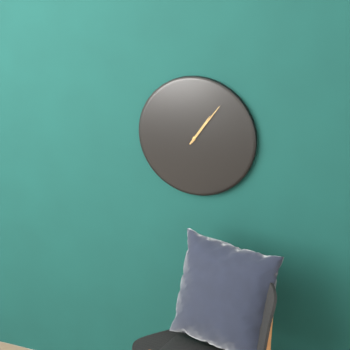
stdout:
{"hour": 1, "minute": 6}
